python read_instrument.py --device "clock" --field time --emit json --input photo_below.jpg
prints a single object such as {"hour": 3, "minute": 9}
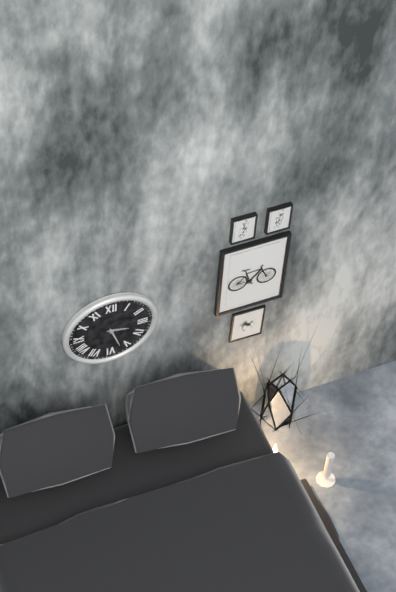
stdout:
{"hour": 3, "minute": 27}
